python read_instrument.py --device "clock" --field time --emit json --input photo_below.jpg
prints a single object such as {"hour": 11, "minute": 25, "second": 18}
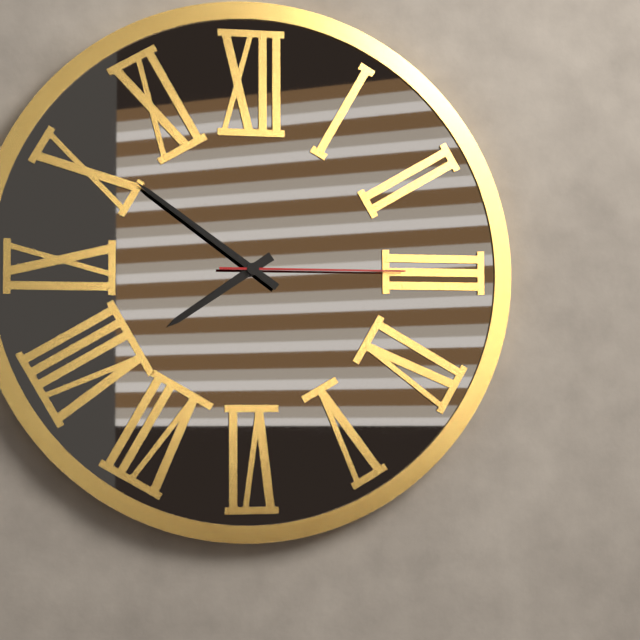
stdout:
{"hour": 7, "minute": 51, "second": 15}
